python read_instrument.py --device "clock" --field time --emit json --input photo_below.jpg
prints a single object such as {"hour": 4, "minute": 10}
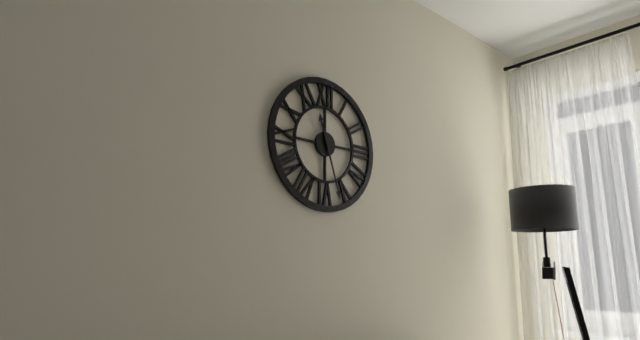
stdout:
{"hour": 11, "minute": 27}
